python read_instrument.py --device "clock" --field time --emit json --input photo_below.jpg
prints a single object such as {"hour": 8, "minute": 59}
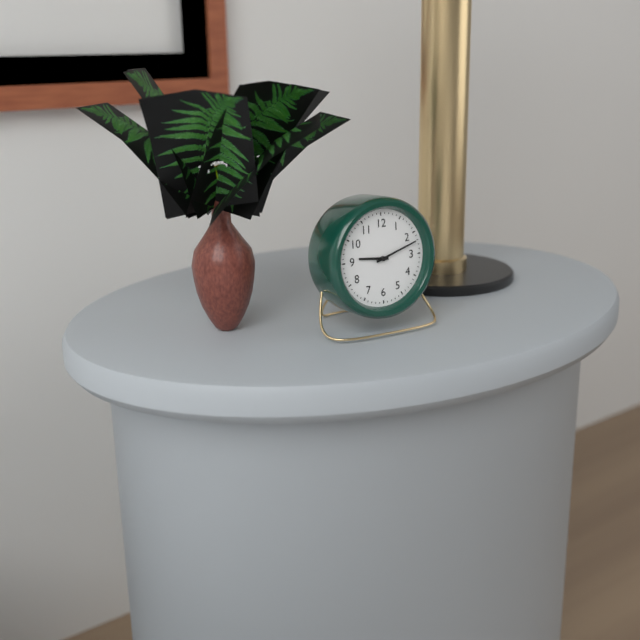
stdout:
{"hour": 9, "minute": 12}
